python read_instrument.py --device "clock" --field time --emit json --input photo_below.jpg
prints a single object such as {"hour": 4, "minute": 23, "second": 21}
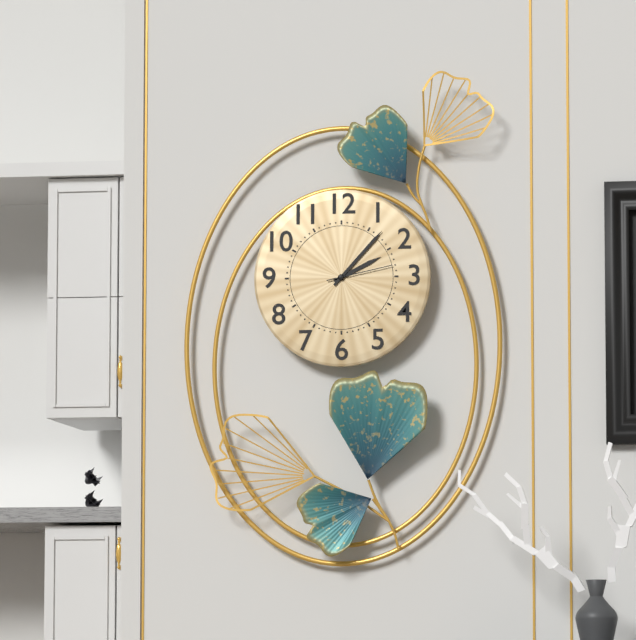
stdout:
{"hour": 2, "minute": 7, "second": 13}
